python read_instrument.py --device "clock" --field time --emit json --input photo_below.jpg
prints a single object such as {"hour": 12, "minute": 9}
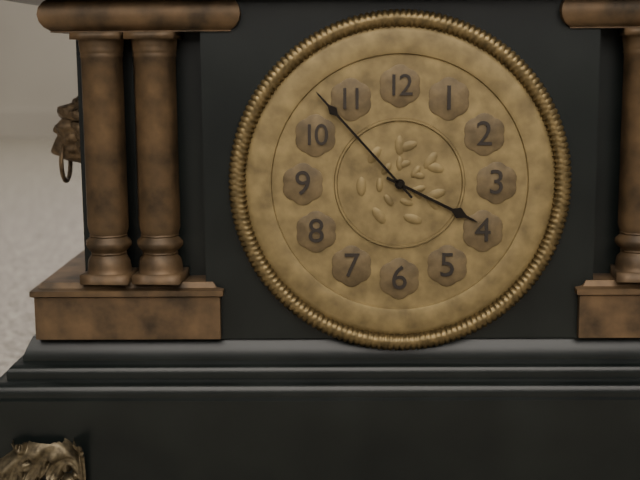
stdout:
{"hour": 3, "minute": 53}
